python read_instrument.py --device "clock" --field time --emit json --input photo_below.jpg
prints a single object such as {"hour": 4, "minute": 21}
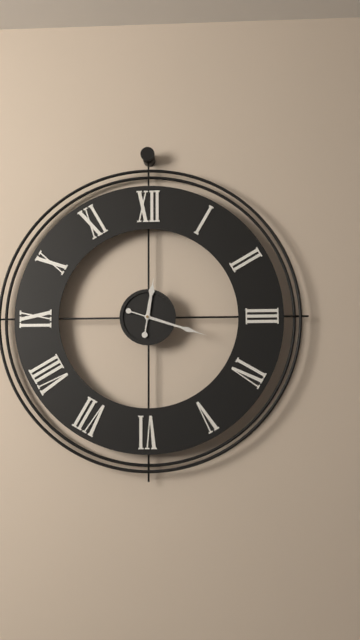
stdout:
{"hour": 12, "minute": 18}
